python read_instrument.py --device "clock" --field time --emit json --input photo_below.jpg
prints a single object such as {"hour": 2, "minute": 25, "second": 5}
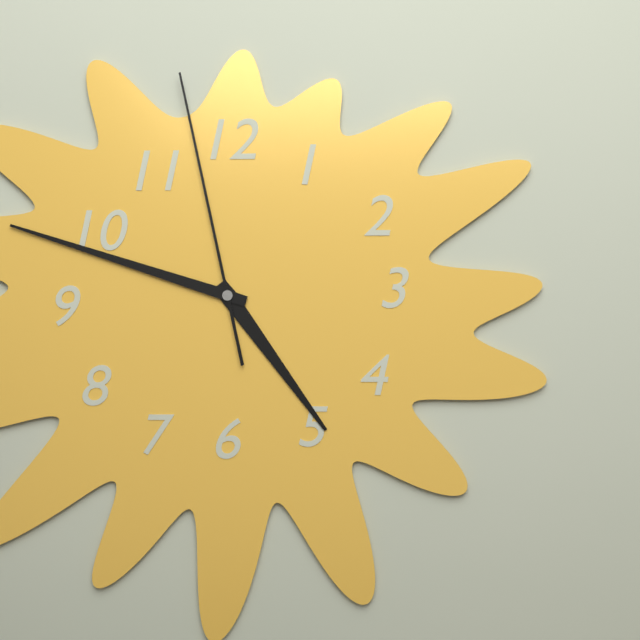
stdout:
{"hour": 4, "minute": 48, "second": 58}
